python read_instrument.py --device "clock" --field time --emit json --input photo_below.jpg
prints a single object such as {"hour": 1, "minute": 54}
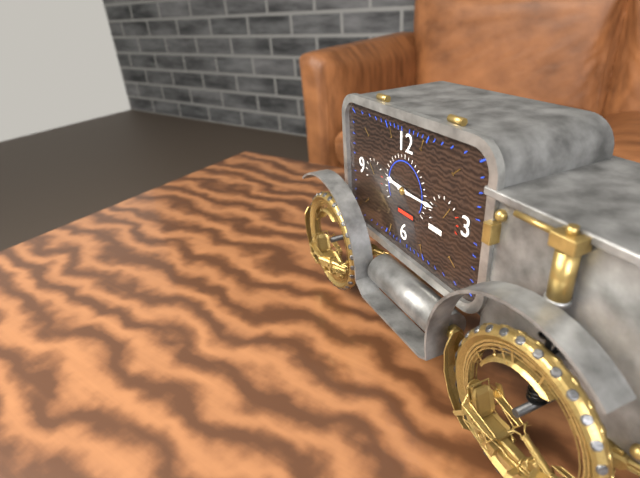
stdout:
{"hour": 9, "minute": 15}
